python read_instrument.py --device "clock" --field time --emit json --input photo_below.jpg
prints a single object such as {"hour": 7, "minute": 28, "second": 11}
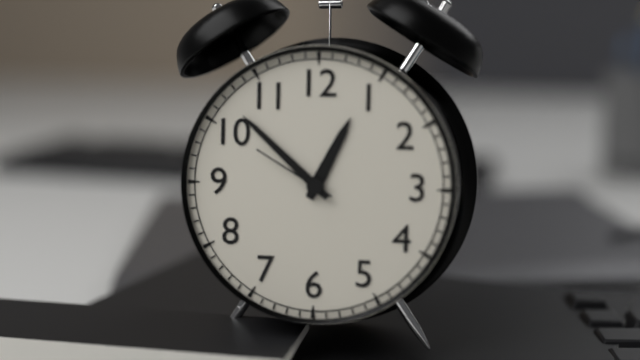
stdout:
{"hour": 12, "minute": 52, "second": 50}
